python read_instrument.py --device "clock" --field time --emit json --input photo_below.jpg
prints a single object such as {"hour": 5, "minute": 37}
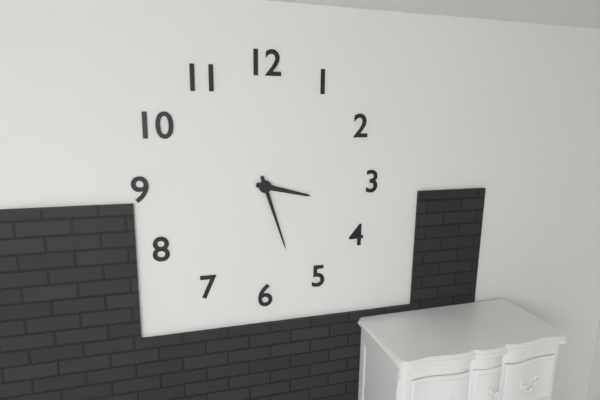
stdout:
{"hour": 3, "minute": 27}
